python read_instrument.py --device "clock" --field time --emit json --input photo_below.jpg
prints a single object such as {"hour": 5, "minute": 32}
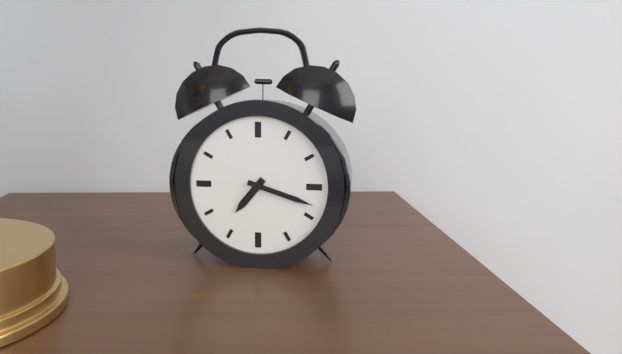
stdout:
{"hour": 7, "minute": 18}
